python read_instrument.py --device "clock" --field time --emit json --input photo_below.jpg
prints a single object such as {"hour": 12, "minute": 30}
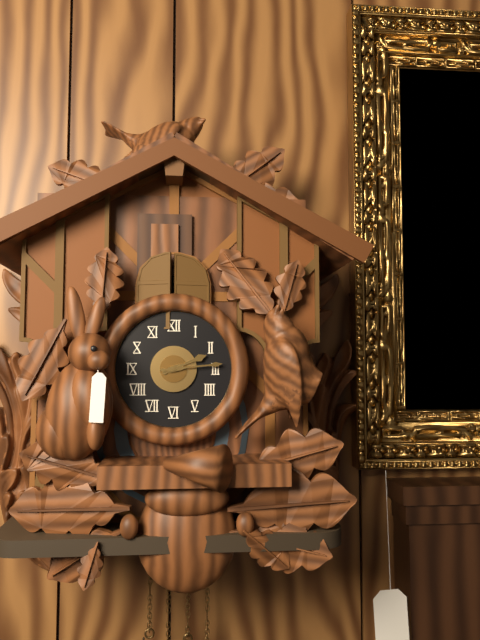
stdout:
{"hour": 2, "minute": 14}
